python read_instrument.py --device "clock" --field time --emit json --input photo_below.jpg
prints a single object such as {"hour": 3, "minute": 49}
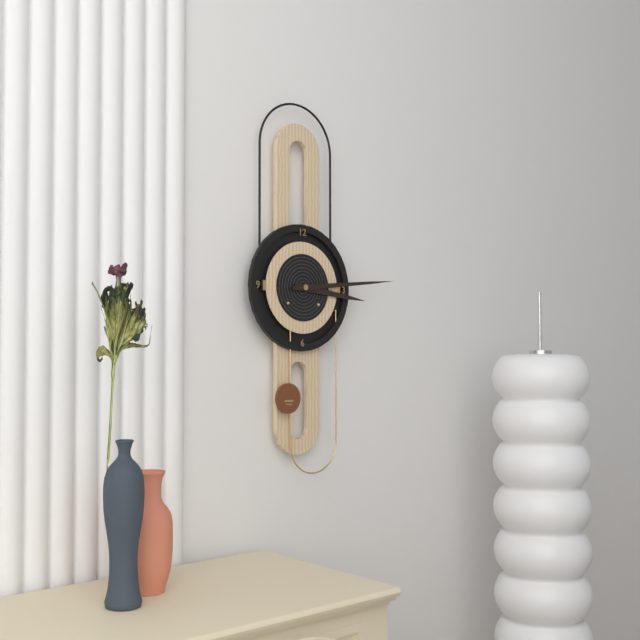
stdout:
{"hour": 3, "minute": 14}
